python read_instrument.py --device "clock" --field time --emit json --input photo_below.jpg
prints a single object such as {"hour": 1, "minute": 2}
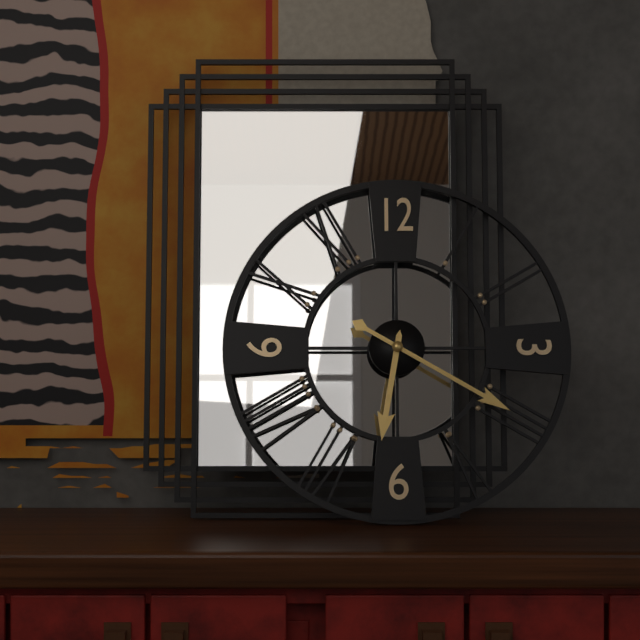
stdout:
{"hour": 6, "minute": 20}
